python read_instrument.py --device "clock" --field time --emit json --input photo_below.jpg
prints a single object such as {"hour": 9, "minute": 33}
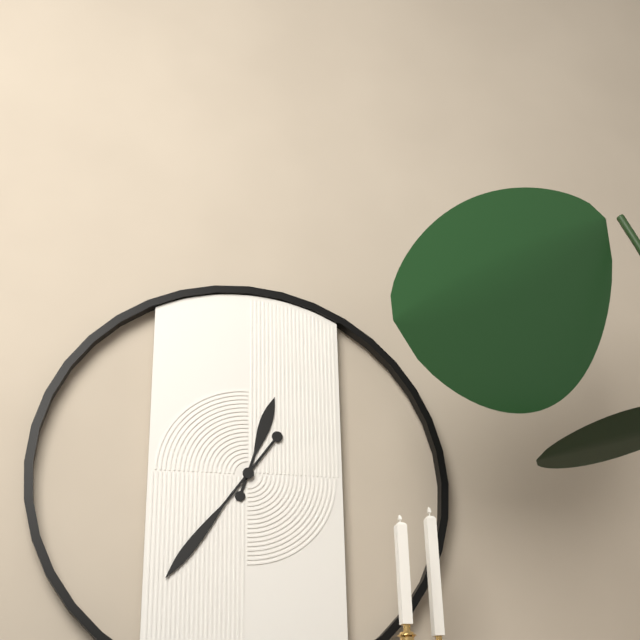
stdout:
{"hour": 12, "minute": 36}
